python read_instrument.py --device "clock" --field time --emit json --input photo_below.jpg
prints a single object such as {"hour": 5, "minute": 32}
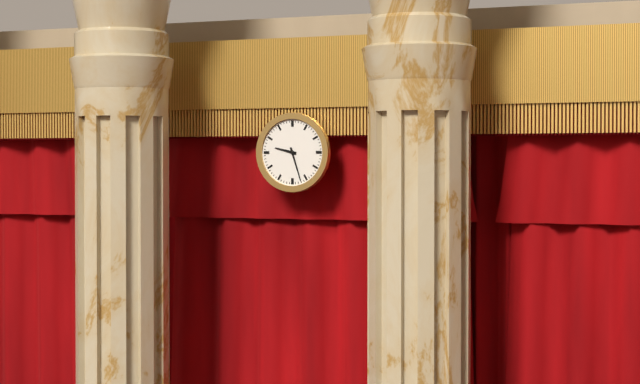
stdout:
{"hour": 9, "minute": 27}
